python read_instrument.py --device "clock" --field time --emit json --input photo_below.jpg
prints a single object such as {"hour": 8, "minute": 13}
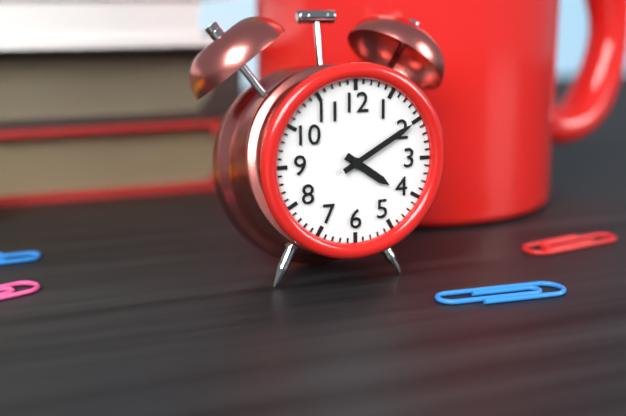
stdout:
{"hour": 4, "minute": 10}
